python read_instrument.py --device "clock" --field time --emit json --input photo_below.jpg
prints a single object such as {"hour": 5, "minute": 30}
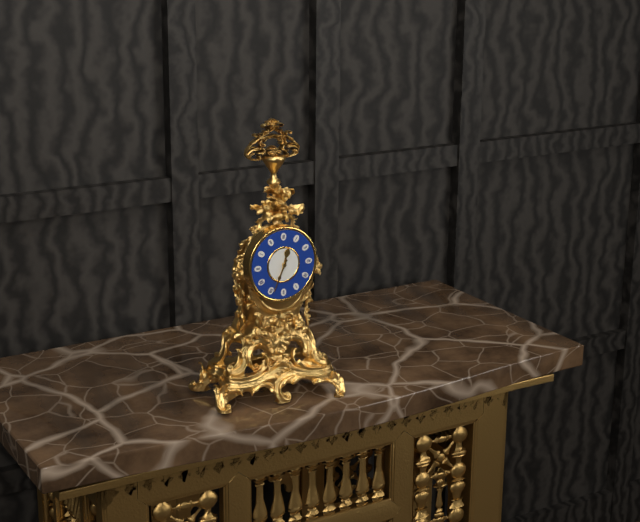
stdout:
{"hour": 12, "minute": 34}
